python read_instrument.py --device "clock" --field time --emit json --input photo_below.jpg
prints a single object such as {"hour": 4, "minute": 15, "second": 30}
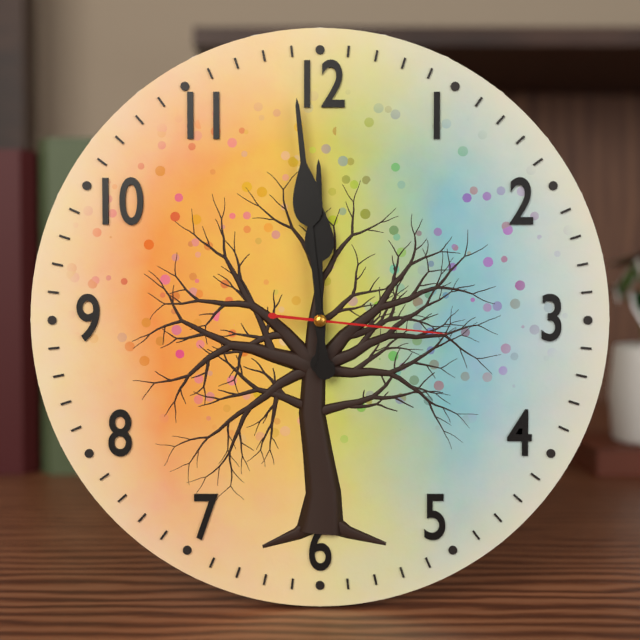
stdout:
{"hour": 11, "minute": 59, "second": 16}
